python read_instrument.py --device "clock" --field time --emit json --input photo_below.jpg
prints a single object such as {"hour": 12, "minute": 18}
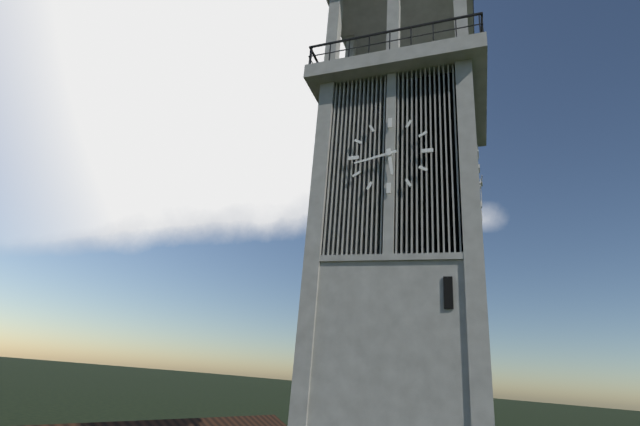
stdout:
{"hour": 5, "minute": 43}
